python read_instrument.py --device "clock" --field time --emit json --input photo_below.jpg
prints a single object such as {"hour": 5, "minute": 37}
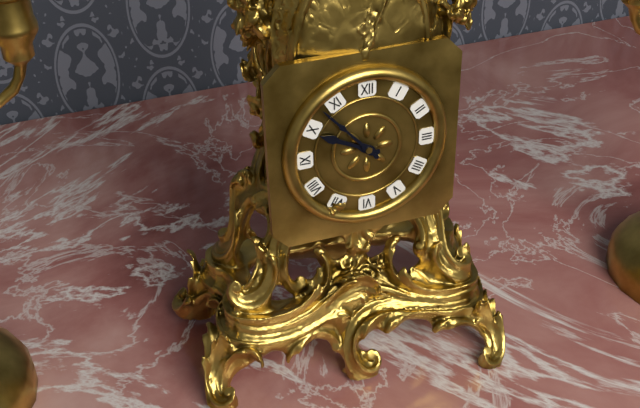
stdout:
{"hour": 9, "minute": 53}
